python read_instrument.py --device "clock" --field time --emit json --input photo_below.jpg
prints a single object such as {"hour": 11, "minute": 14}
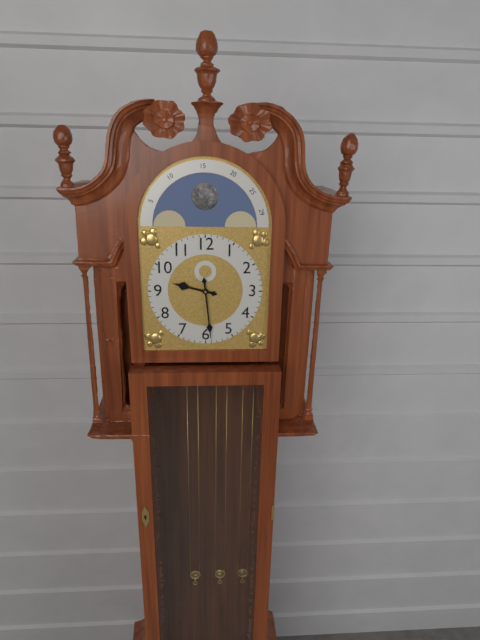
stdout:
{"hour": 9, "minute": 29}
